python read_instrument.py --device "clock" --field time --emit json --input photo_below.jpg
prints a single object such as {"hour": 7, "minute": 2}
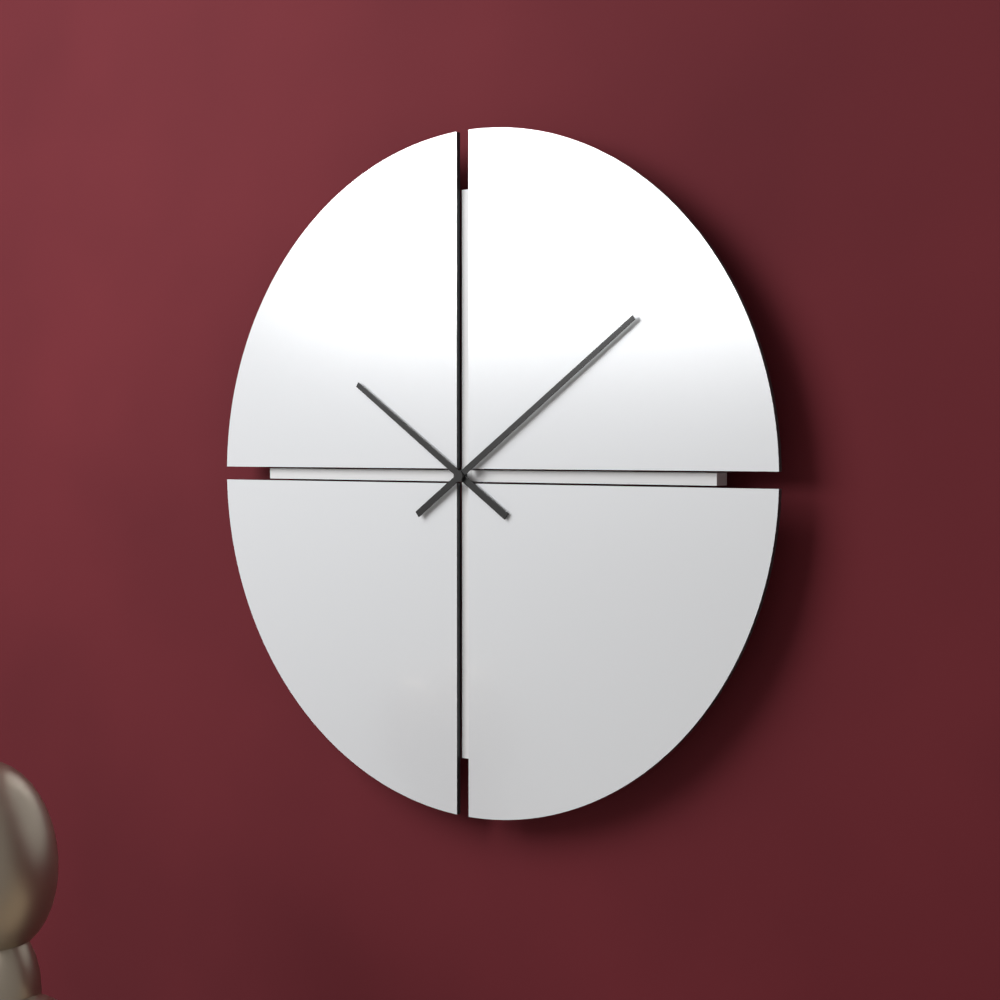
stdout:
{"hour": 10, "minute": 9}
